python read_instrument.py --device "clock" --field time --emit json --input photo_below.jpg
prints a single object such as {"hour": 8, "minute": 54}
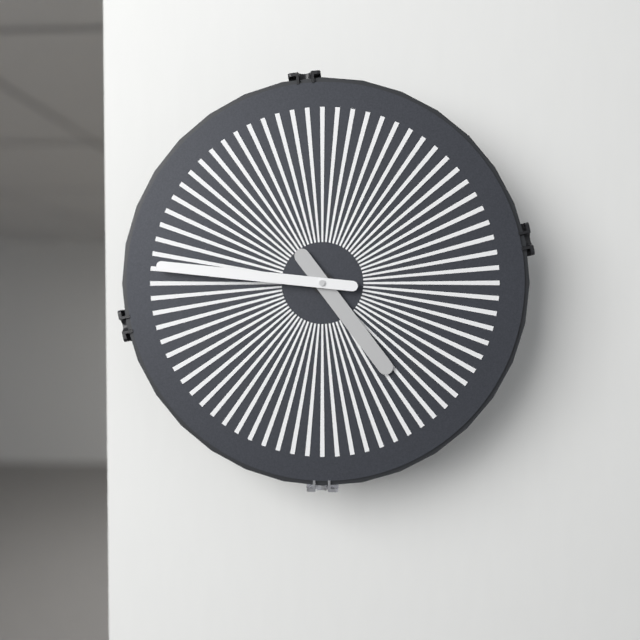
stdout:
{"hour": 4, "minute": 46}
